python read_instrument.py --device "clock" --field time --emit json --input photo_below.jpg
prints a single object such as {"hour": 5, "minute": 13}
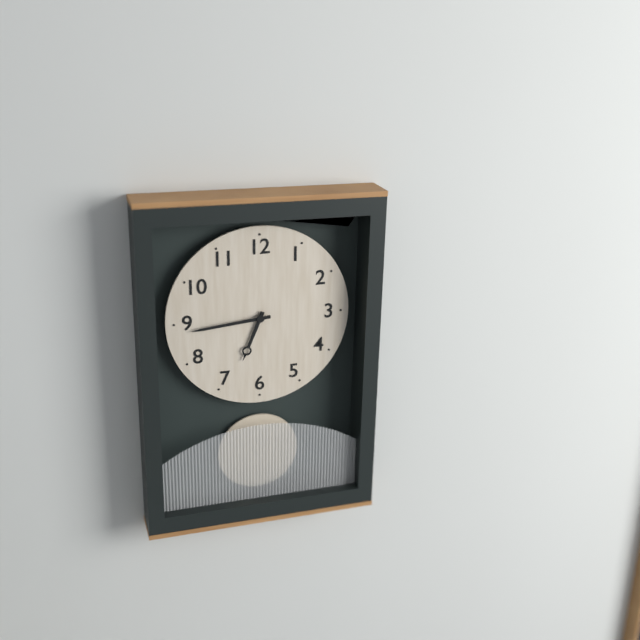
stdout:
{"hour": 6, "minute": 44}
